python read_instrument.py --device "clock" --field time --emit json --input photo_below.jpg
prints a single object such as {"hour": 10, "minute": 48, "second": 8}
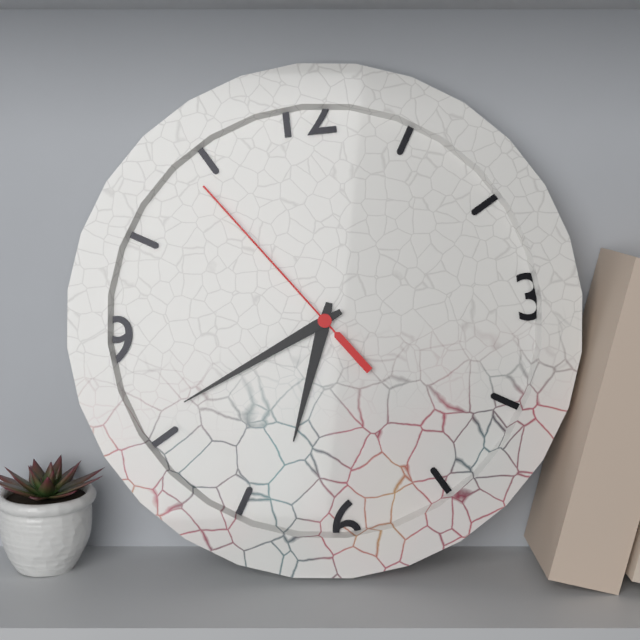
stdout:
{"hour": 6, "minute": 41, "second": 54}
